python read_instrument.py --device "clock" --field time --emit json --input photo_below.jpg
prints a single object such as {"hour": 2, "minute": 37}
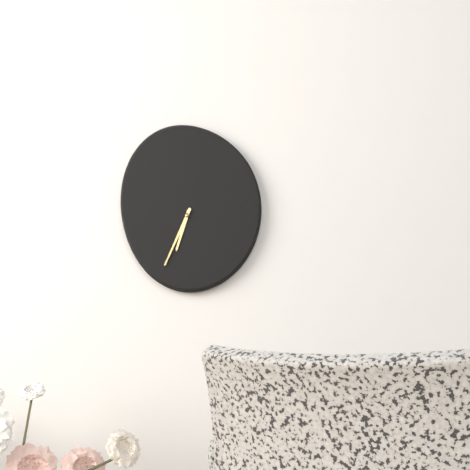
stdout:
{"hour": 6, "minute": 34}
